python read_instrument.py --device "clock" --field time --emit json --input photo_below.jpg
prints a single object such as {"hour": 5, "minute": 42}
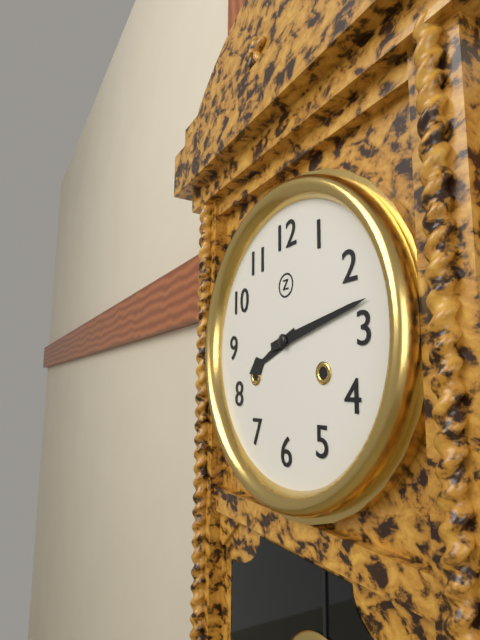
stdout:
{"hour": 8, "minute": 13}
